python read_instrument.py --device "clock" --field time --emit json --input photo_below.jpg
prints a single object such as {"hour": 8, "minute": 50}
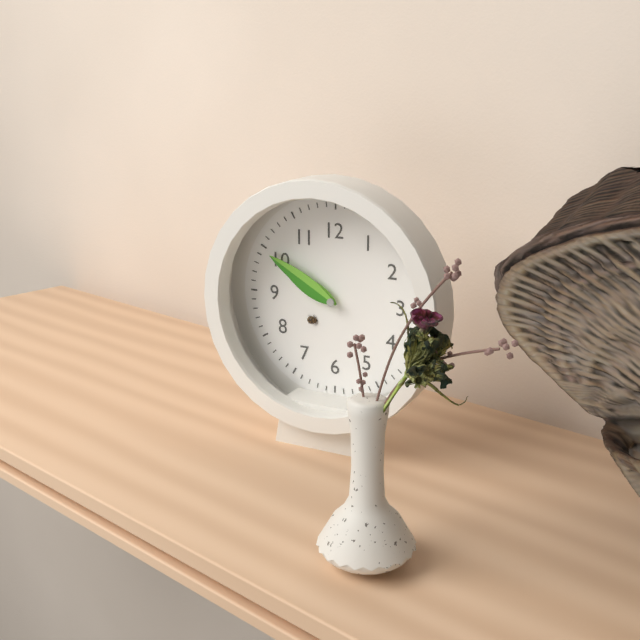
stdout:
{"hour": 9, "minute": 50}
